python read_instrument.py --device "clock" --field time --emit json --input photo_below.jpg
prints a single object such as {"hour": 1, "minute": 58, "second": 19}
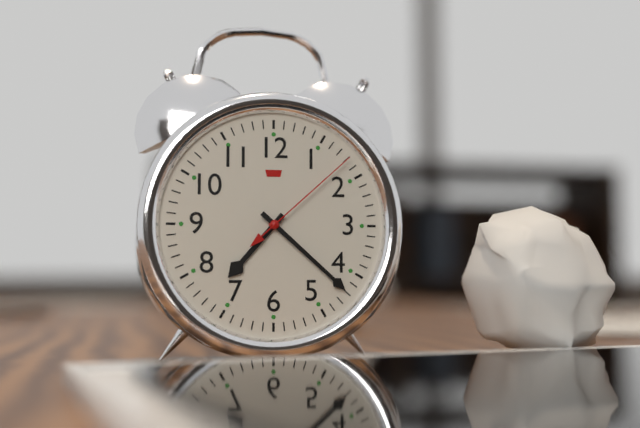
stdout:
{"hour": 7, "minute": 22, "second": 8}
